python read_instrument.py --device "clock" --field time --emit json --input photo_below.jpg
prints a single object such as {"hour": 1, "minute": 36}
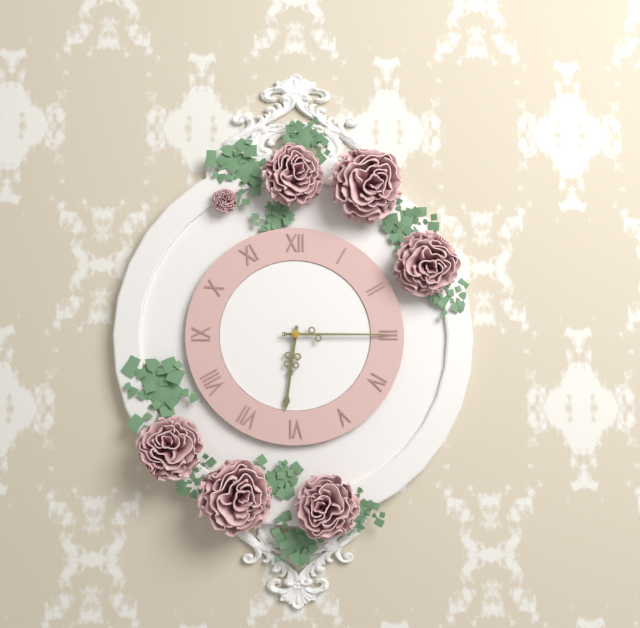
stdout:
{"hour": 6, "minute": 15}
